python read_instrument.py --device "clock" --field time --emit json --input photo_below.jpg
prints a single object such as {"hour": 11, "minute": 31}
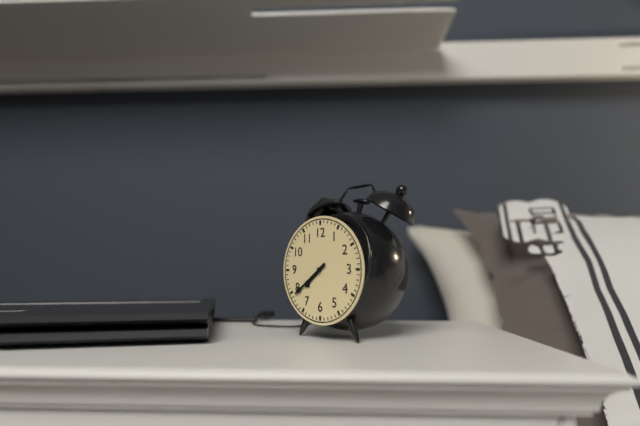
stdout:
{"hour": 7, "minute": 39}
